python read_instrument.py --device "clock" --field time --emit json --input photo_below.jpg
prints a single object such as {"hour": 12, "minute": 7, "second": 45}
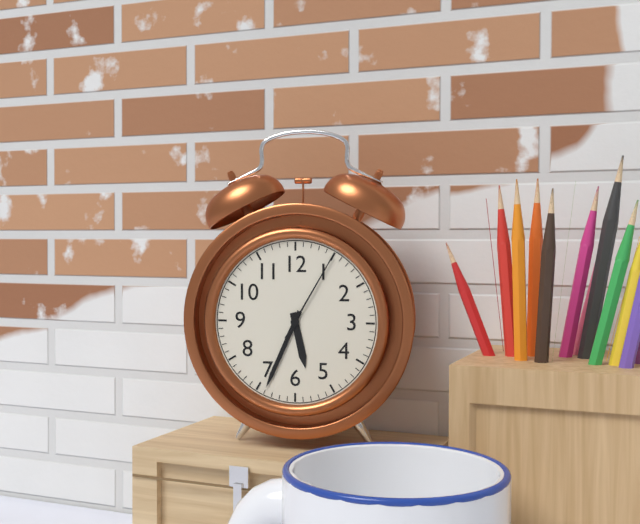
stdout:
{"hour": 5, "minute": 34, "second": 5}
